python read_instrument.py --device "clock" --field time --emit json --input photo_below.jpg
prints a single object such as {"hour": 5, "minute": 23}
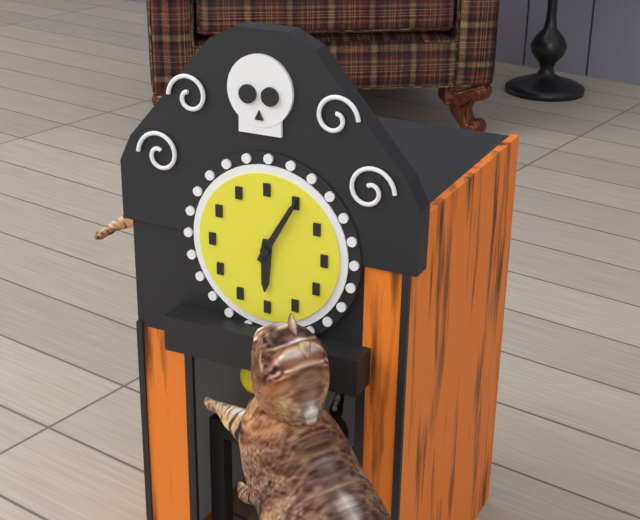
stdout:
{"hour": 6, "minute": 5}
